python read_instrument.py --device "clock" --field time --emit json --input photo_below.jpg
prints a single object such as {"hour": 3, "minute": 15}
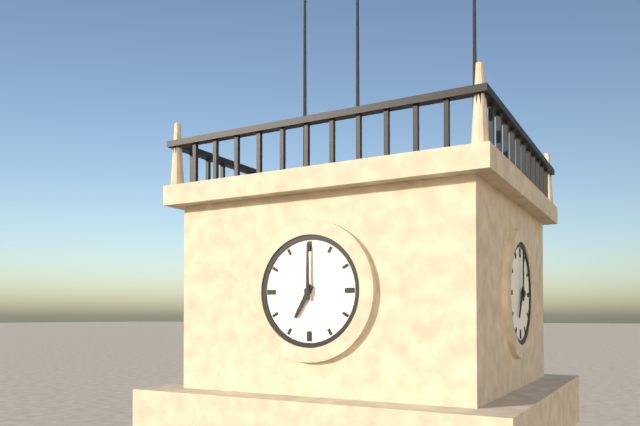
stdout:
{"hour": 7, "minute": 0}
